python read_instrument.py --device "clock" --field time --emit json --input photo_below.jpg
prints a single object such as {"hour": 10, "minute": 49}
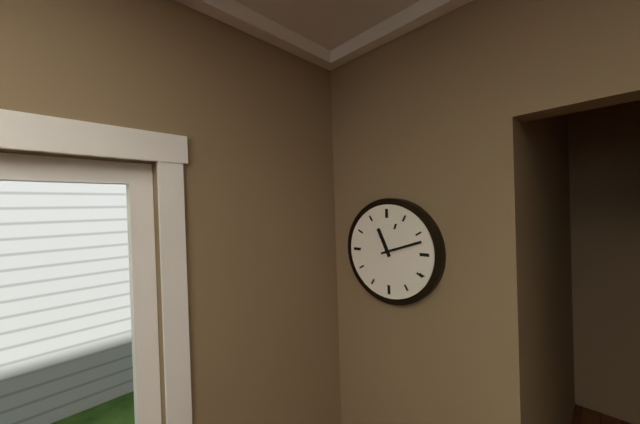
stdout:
{"hour": 11, "minute": 12}
